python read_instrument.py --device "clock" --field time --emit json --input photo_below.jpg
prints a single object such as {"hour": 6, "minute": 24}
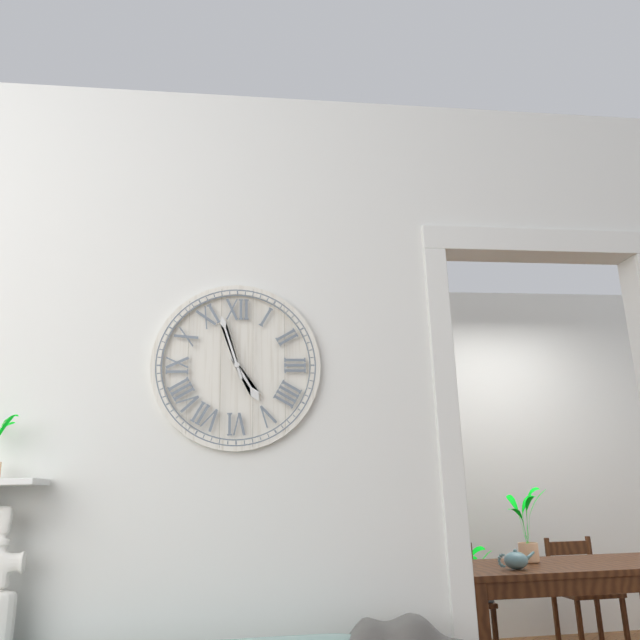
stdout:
{"hour": 4, "minute": 57}
